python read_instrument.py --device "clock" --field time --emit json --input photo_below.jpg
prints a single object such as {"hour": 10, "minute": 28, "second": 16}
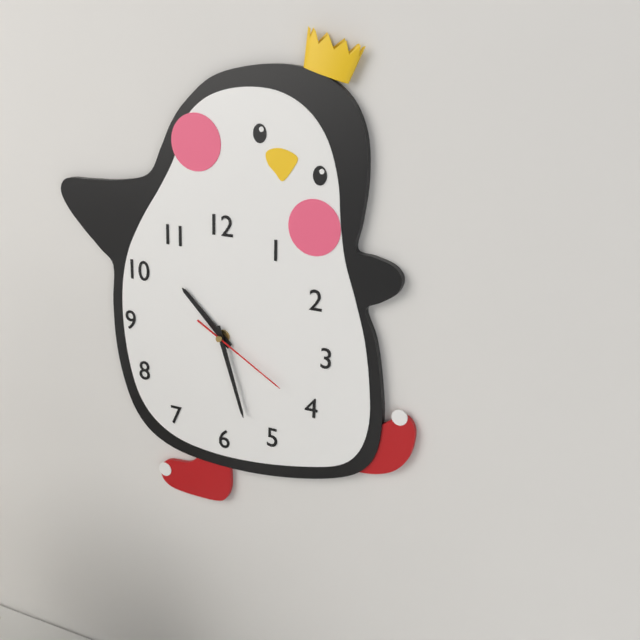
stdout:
{"hour": 10, "minute": 27, "second": 20}
